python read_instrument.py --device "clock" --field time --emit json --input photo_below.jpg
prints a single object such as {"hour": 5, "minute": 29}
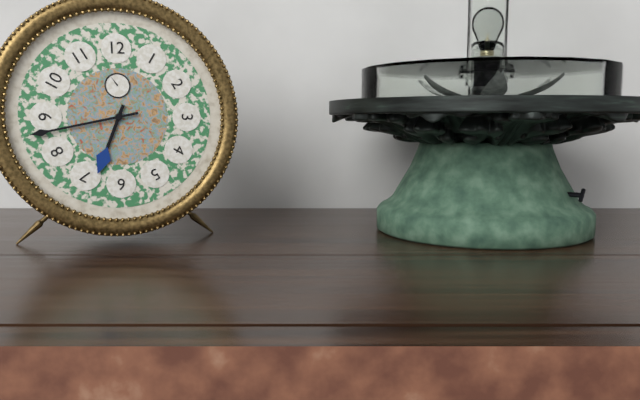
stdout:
{"hour": 6, "minute": 43}
